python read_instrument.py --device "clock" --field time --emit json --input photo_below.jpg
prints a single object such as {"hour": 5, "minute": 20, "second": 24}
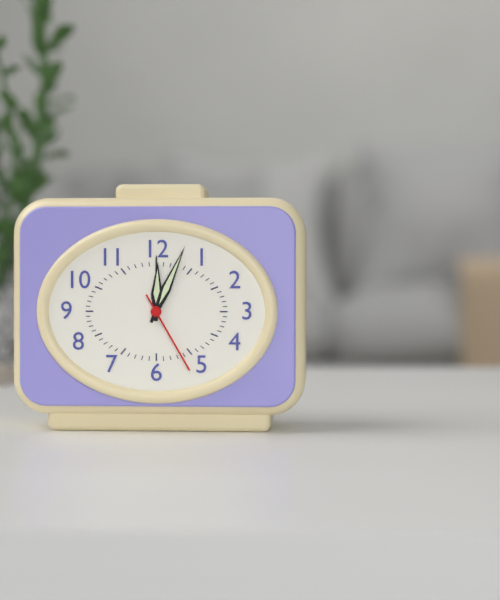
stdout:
{"hour": 12, "minute": 4, "second": 25}
